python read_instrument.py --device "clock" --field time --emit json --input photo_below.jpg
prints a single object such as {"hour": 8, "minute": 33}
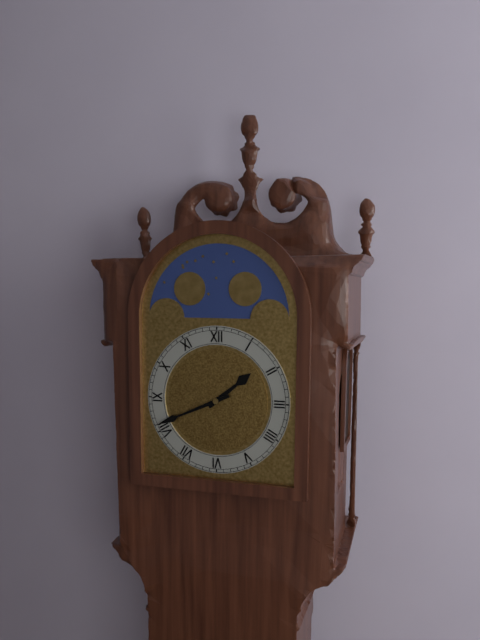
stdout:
{"hour": 1, "minute": 41}
